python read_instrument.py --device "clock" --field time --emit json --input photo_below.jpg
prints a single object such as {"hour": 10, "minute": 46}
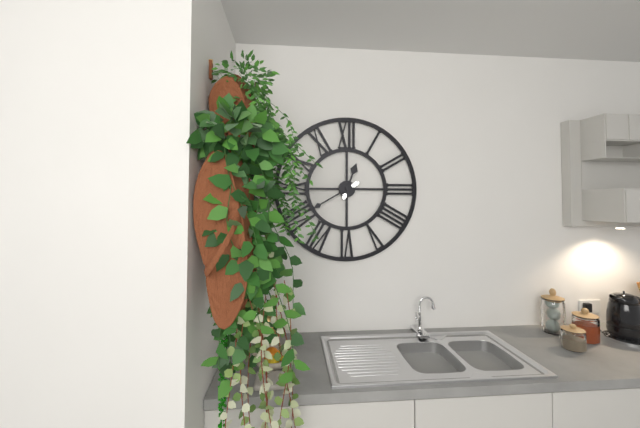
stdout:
{"hour": 12, "minute": 40}
